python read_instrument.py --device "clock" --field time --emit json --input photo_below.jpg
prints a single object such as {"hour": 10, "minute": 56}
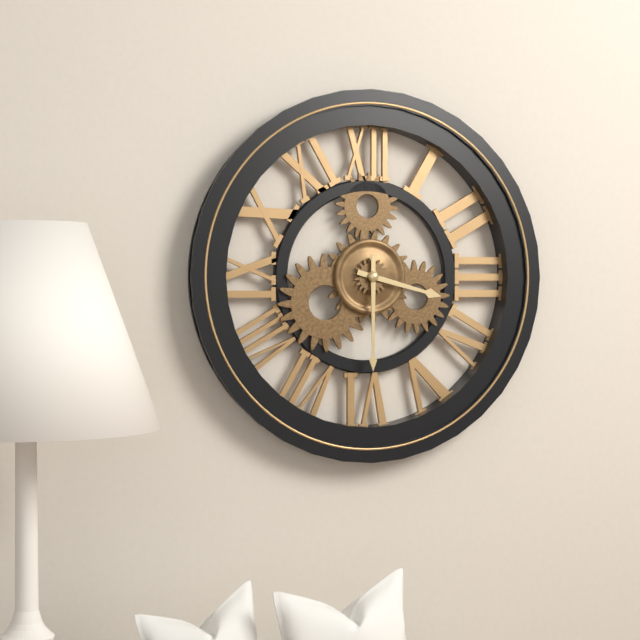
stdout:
{"hour": 3, "minute": 30}
